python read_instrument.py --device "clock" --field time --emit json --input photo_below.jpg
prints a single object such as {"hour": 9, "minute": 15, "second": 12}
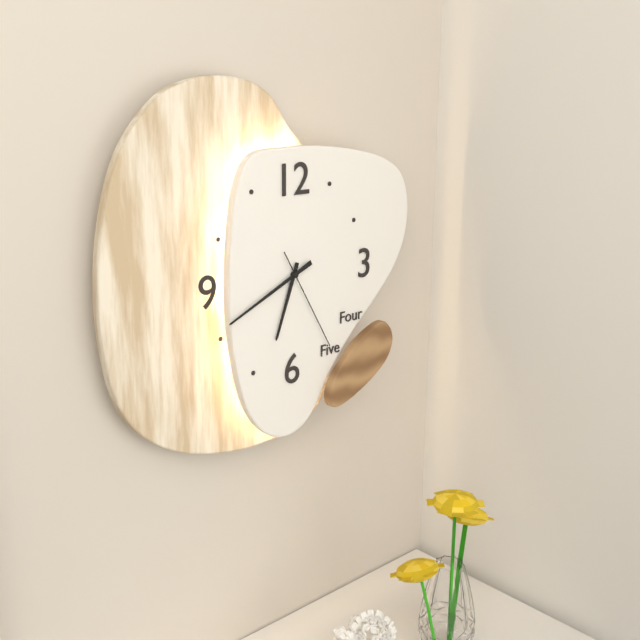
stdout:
{"hour": 6, "minute": 41, "second": 25}
